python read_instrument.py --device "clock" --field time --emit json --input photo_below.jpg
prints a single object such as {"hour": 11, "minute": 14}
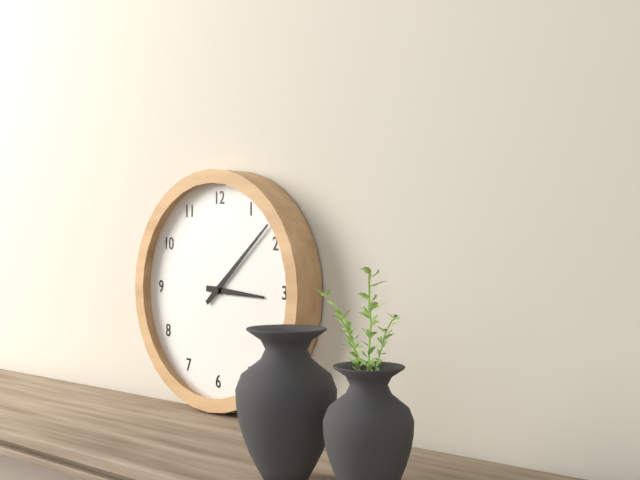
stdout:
{"hour": 3, "minute": 8}
